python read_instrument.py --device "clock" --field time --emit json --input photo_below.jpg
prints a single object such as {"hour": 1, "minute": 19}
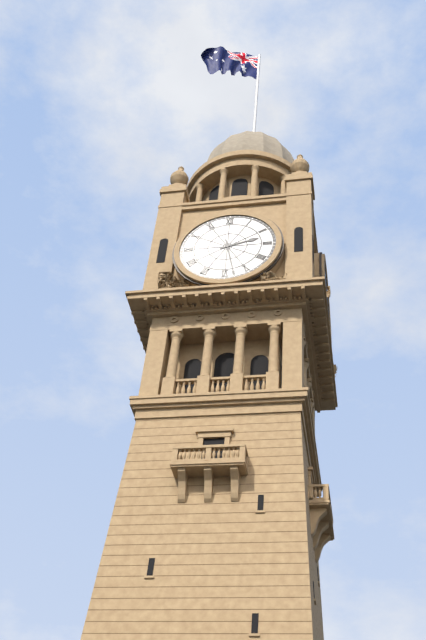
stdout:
{"hour": 2, "minute": 28}
